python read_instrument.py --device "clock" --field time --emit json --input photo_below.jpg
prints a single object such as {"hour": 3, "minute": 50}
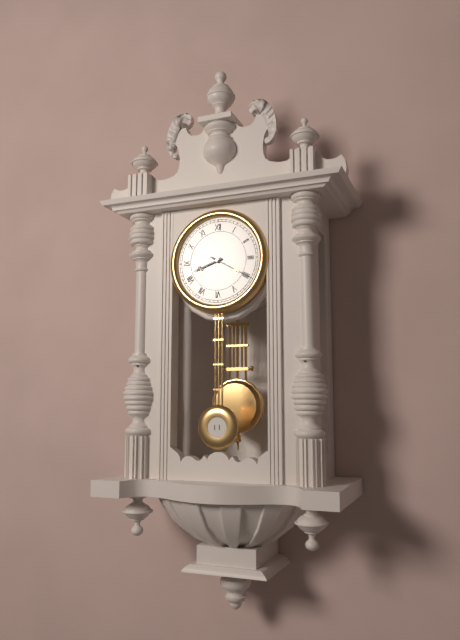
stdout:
{"hour": 8, "minute": 20}
